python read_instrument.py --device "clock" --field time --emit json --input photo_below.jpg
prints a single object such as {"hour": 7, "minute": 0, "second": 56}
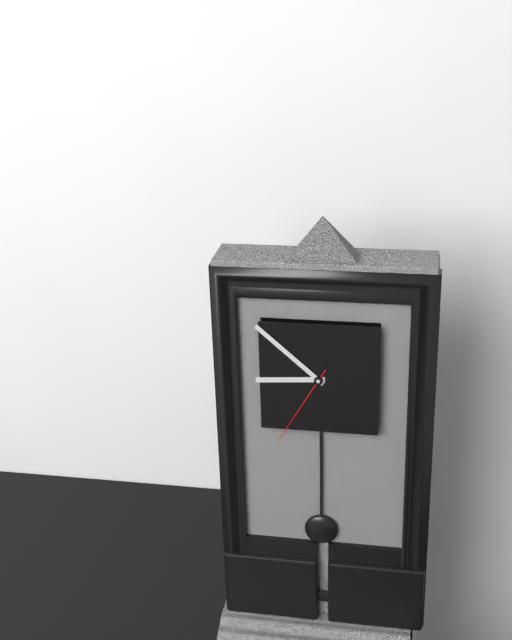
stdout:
{"hour": 8, "minute": 52, "second": 35}
